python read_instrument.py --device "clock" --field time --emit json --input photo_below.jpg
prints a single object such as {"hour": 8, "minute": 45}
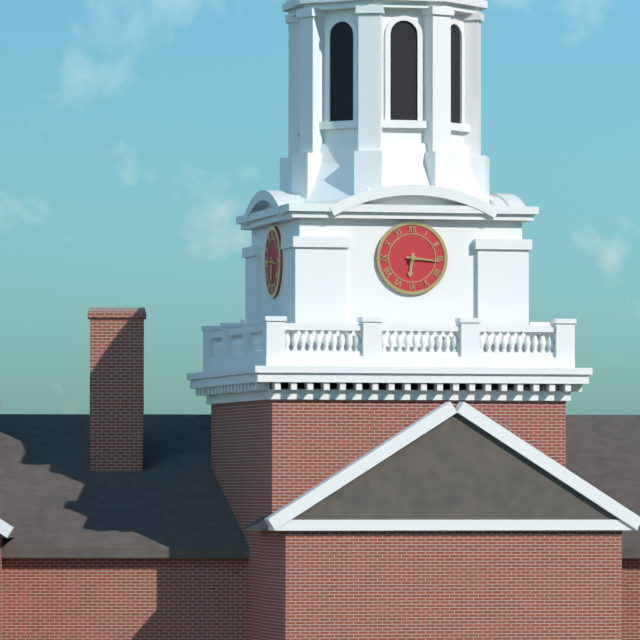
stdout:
{"hour": 6, "minute": 16}
